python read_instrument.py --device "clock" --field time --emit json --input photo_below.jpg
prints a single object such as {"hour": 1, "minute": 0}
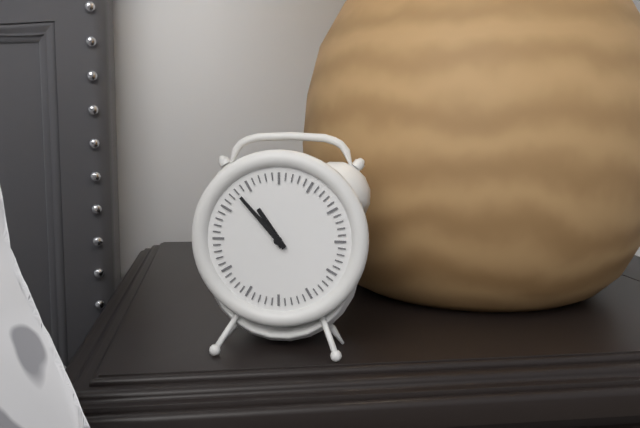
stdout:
{"hour": 10, "minute": 53}
